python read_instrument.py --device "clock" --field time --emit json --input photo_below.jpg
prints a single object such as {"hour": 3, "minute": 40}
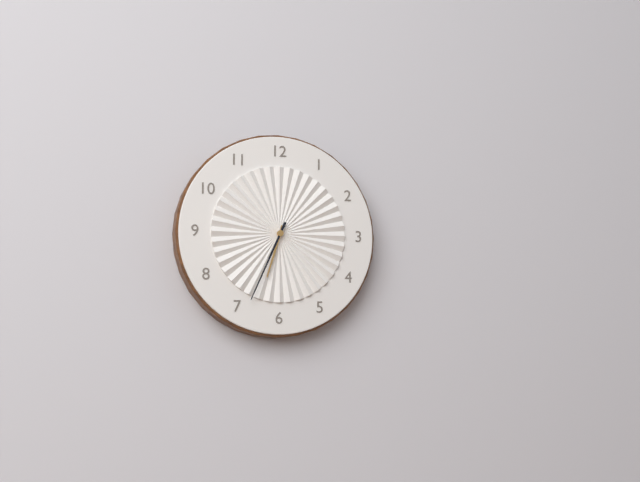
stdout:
{"hour": 6, "minute": 34}
